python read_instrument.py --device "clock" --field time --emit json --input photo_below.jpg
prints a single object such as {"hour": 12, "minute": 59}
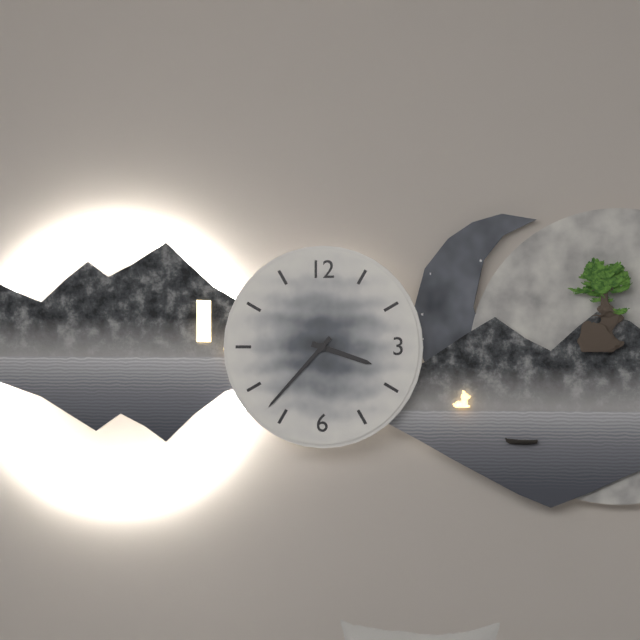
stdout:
{"hour": 3, "minute": 37}
